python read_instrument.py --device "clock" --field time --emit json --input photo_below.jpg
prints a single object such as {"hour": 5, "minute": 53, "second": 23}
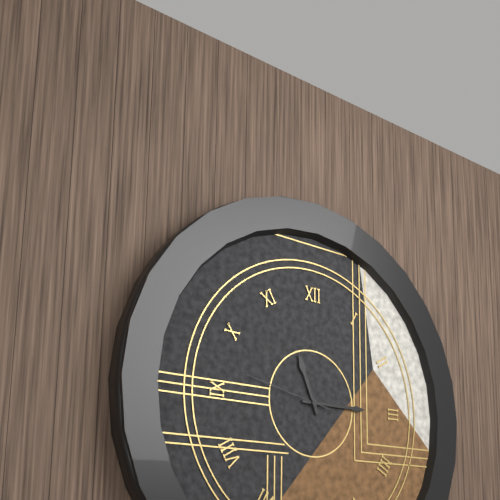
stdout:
{"hour": 11, "minute": 15, "second": 47}
